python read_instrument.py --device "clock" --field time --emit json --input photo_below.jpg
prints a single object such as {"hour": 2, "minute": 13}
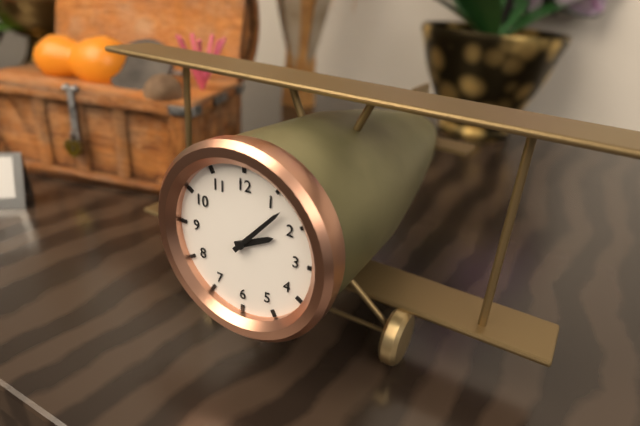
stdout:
{"hour": 2, "minute": 7}
